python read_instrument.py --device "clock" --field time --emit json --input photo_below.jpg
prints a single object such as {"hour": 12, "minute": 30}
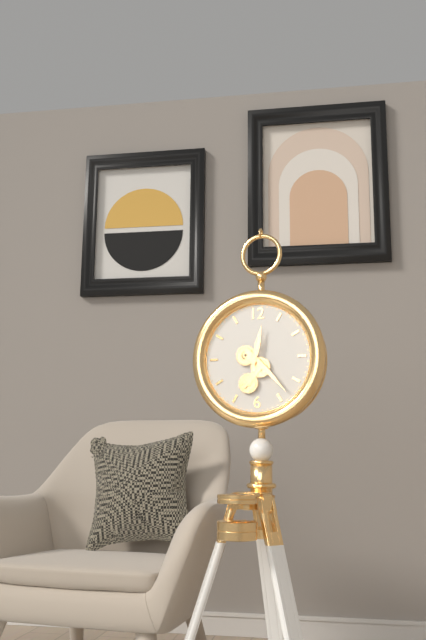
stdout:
{"hour": 12, "minute": 23}
